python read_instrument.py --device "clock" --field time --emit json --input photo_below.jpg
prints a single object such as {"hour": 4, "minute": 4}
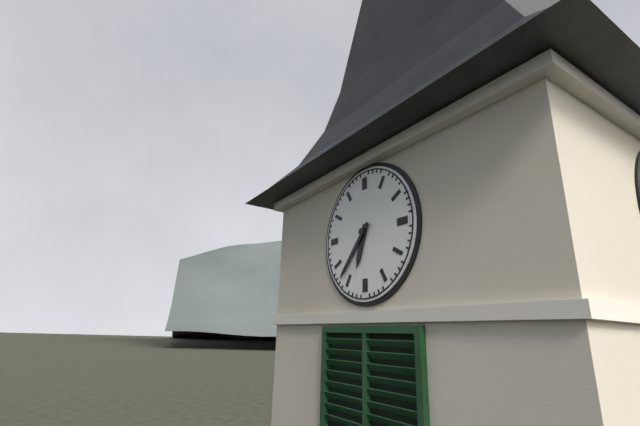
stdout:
{"hour": 6, "minute": 37}
